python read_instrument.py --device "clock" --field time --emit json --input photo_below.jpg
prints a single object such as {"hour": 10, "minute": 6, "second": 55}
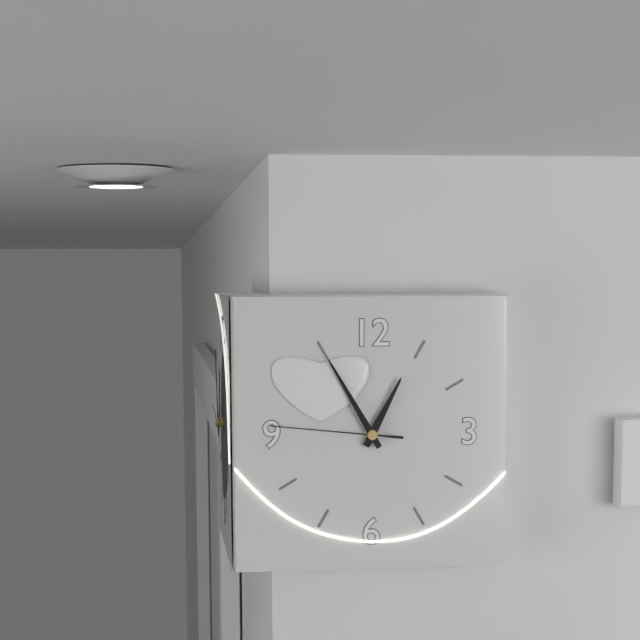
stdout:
{"hour": 12, "minute": 55, "second": 46}
